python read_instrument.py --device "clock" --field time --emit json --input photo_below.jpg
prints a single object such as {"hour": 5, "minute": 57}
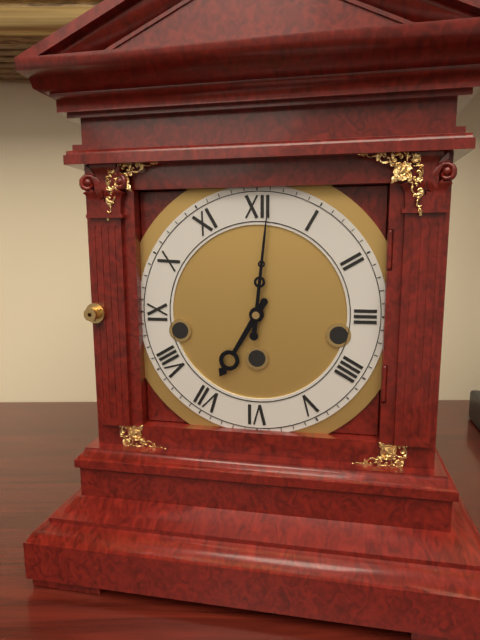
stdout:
{"hour": 7, "minute": 1}
